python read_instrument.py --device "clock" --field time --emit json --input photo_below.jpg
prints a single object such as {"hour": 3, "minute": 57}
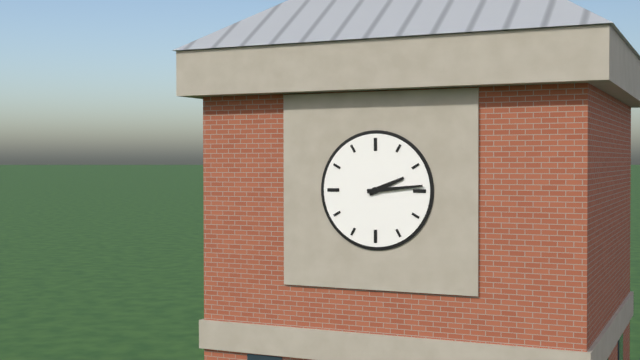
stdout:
{"hour": 2, "minute": 14}
